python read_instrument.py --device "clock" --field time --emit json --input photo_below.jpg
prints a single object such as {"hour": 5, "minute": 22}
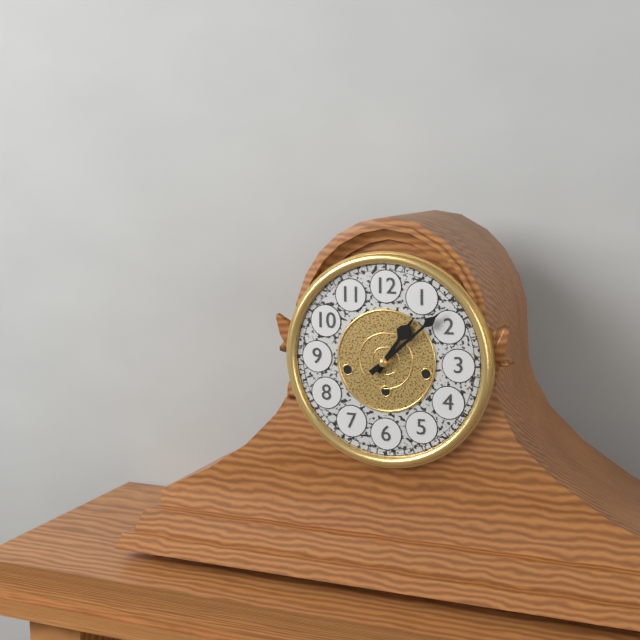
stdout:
{"hour": 1, "minute": 8}
